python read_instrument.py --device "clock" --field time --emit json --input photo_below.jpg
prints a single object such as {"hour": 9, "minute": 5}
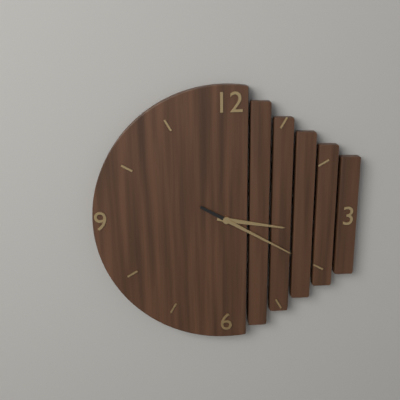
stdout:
{"hour": 3, "minute": 20}
